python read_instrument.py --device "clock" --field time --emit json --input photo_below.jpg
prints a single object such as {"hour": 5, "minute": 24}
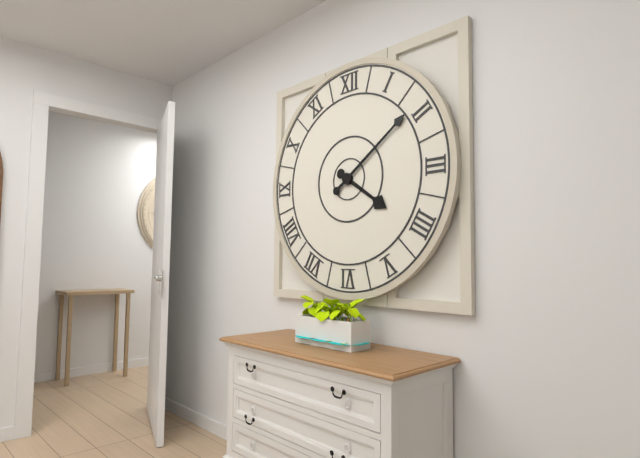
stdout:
{"hour": 4, "minute": 9}
